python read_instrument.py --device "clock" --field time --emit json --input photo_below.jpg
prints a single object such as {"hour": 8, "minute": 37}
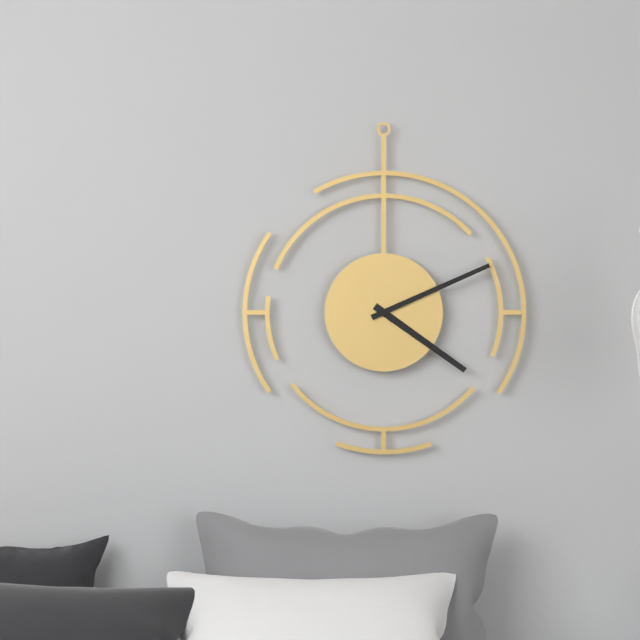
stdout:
{"hour": 4, "minute": 11}
